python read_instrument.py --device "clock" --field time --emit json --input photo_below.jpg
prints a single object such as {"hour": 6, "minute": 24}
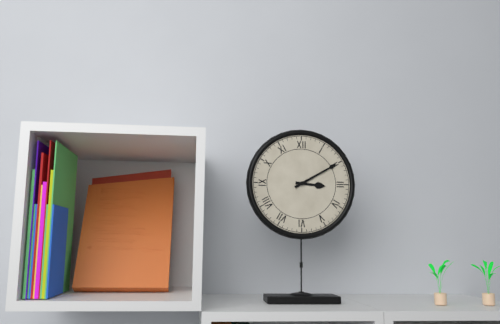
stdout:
{"hour": 3, "minute": 10}
